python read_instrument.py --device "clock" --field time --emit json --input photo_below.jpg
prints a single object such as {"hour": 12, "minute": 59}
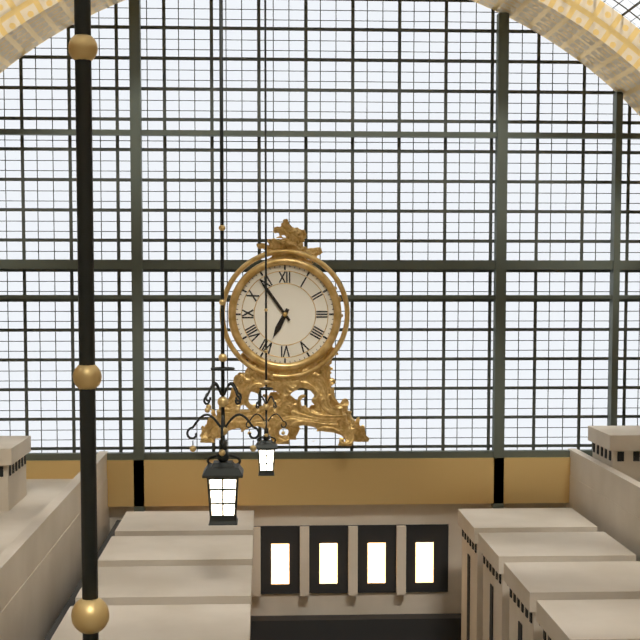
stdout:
{"hour": 6, "minute": 54}
